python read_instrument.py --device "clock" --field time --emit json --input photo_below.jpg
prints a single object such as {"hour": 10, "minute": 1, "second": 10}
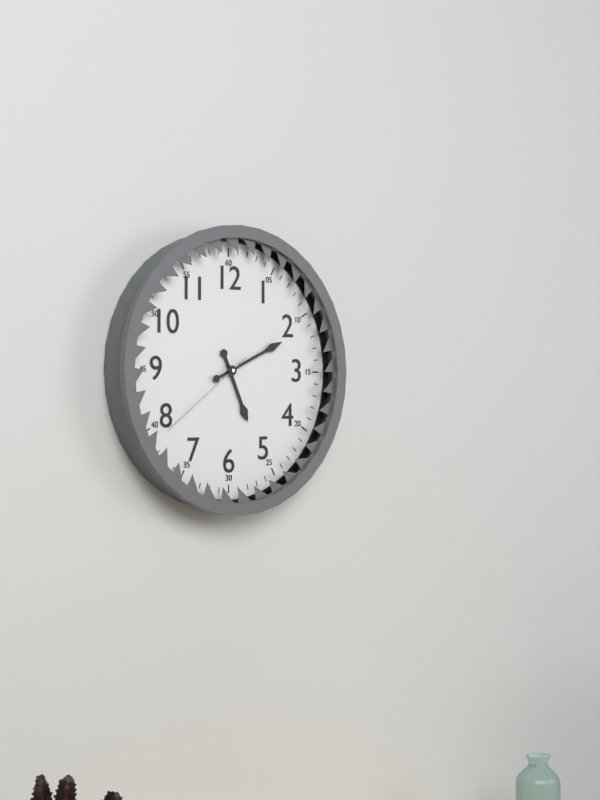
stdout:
{"hour": 5, "minute": 11, "second": 39}
